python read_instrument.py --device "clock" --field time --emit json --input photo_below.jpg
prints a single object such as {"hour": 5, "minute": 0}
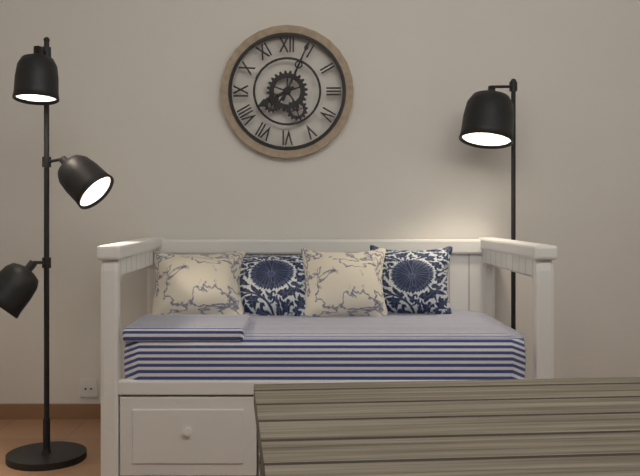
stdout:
{"hour": 8, "minute": 4}
